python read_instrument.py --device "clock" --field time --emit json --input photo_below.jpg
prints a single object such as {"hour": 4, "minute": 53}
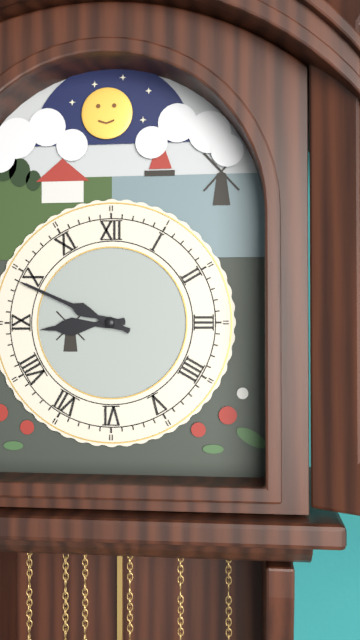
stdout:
{"hour": 8, "minute": 49}
